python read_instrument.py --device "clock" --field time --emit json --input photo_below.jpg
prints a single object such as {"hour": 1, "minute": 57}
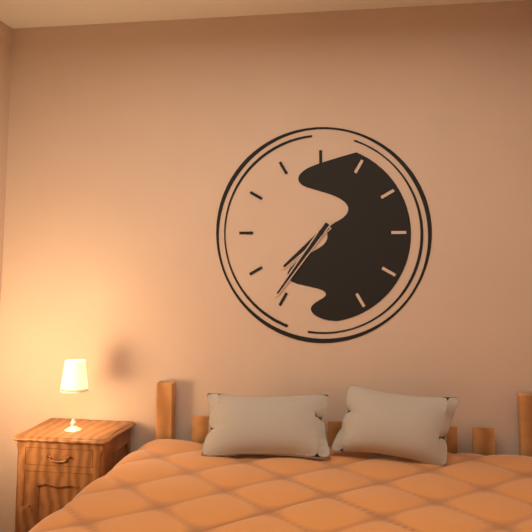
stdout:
{"hour": 7, "minute": 36}
